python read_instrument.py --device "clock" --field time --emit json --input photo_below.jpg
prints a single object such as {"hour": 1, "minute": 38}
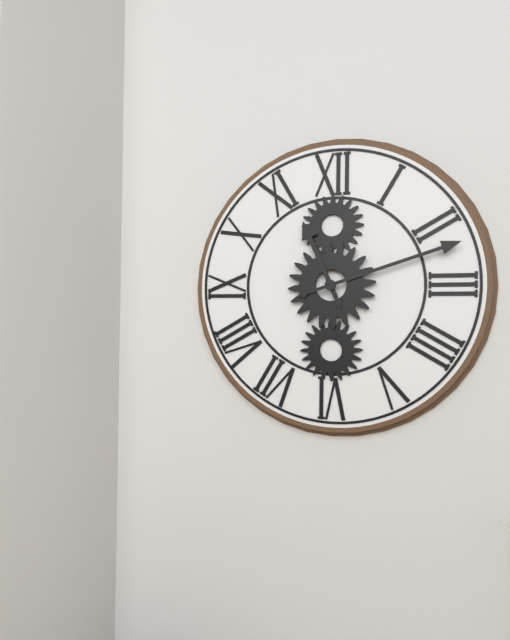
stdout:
{"hour": 11, "minute": 12}
